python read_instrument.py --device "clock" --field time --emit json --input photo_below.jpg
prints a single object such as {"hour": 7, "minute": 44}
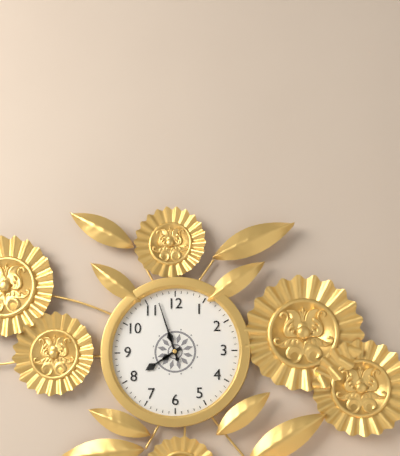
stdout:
{"hour": 7, "minute": 57}
